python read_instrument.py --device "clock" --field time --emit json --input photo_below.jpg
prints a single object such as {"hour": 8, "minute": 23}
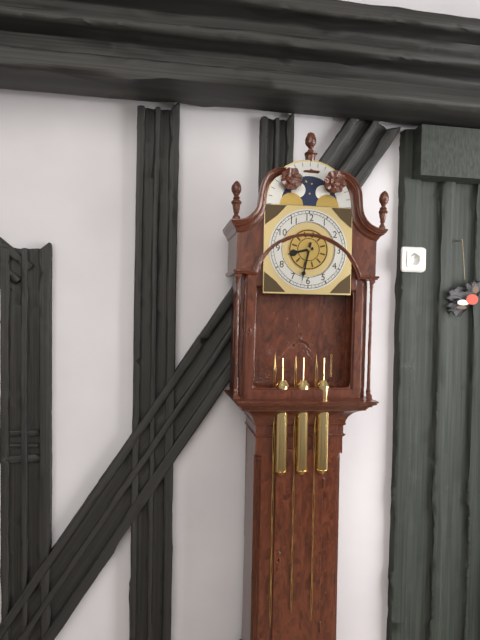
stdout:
{"hour": 8, "minute": 32}
